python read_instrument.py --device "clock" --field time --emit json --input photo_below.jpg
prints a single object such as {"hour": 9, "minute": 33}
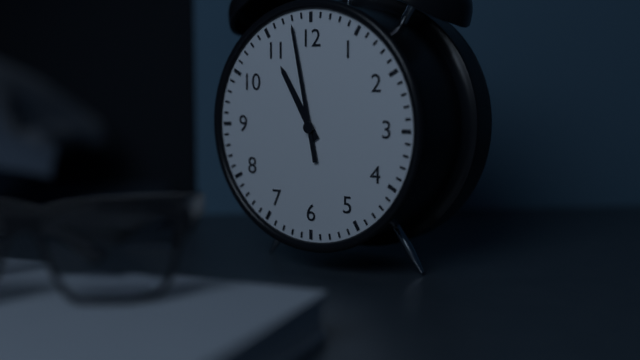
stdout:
{"hour": 10, "minute": 58}
